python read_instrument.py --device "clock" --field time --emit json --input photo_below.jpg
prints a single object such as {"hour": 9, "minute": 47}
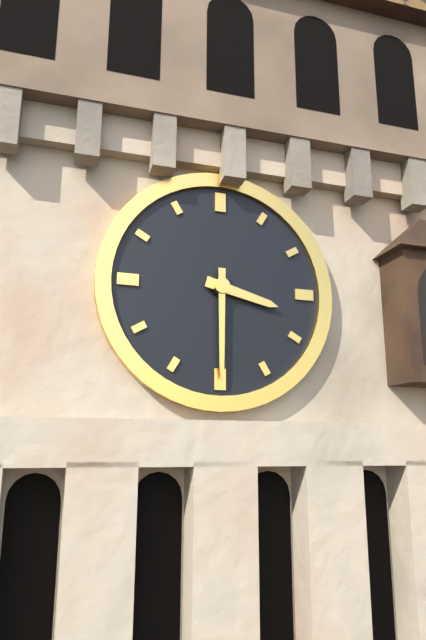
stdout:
{"hour": 3, "minute": 30}
